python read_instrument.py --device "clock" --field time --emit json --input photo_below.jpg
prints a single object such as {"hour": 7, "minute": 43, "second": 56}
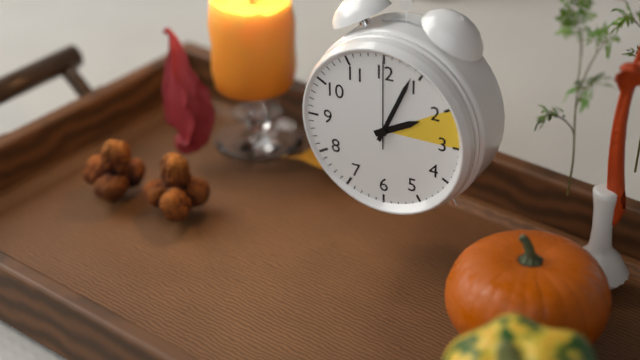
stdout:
{"hour": 2, "minute": 4, "second": 0}
